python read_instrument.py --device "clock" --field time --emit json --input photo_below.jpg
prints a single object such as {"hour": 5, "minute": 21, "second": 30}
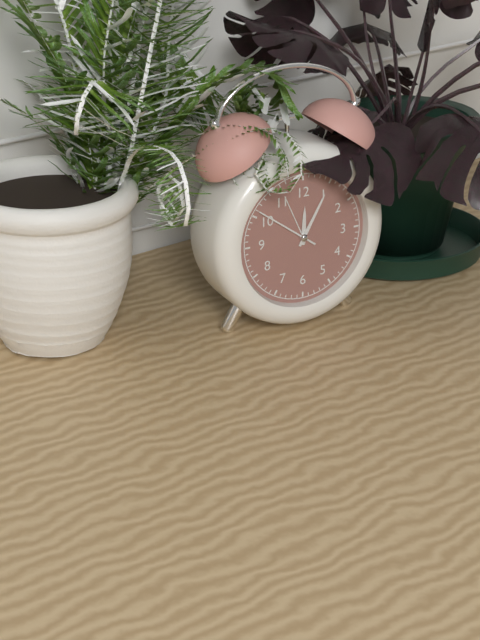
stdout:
{"hour": 12, "minute": 5, "second": 51}
